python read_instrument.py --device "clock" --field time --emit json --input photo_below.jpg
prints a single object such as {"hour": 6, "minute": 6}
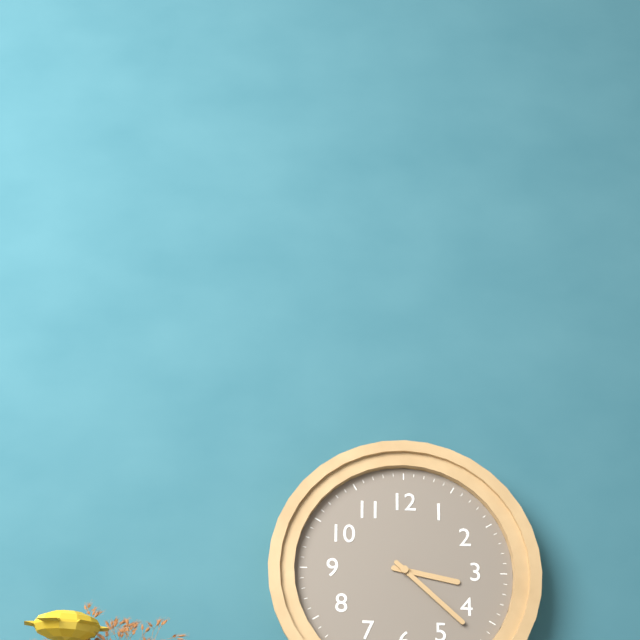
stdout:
{"hour": 3, "minute": 22}
